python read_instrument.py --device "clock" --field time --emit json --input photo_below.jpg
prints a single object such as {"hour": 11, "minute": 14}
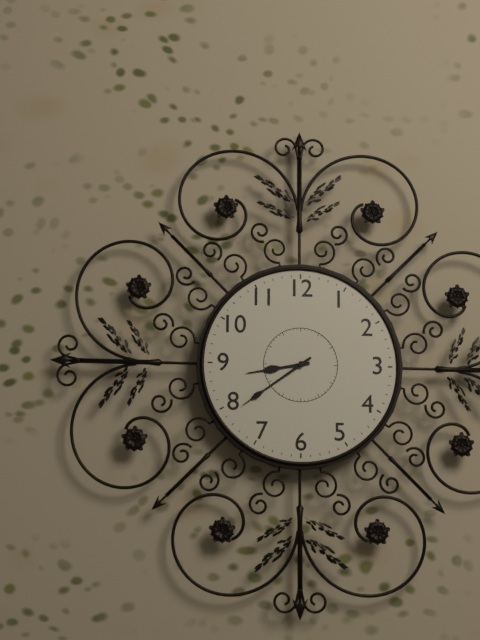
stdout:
{"hour": 8, "minute": 39}
